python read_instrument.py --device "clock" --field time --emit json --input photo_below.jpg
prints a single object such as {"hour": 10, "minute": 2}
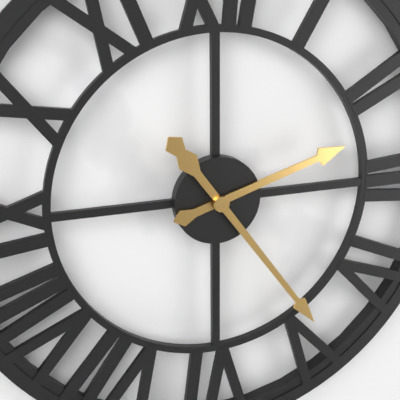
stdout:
{"hour": 2, "minute": 24}
